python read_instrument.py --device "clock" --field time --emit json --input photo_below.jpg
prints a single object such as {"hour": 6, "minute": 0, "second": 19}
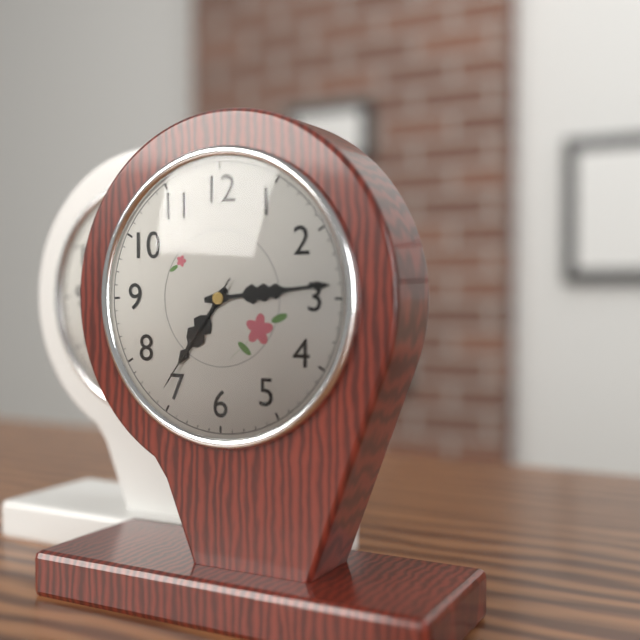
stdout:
{"hour": 7, "minute": 14, "second": 36}
